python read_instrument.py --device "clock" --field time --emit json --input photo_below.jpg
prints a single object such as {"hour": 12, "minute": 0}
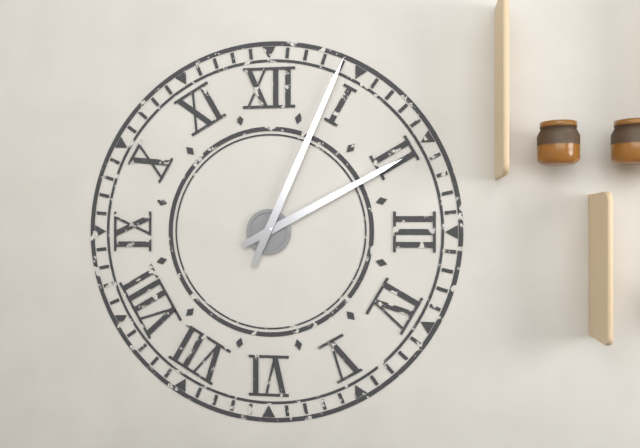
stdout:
{"hour": 2, "minute": 4}
